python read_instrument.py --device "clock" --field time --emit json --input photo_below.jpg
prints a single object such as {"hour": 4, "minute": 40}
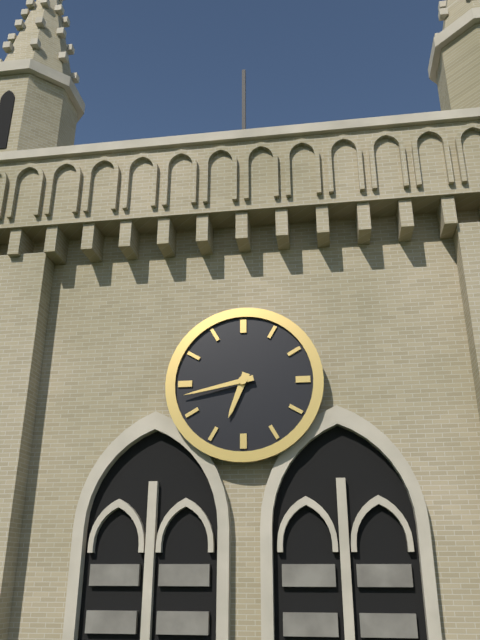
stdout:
{"hour": 6, "minute": 43}
